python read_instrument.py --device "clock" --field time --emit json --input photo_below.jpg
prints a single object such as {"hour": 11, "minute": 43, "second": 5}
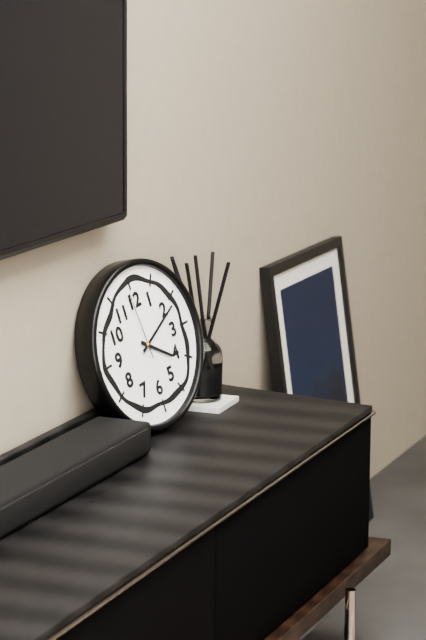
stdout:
{"hour": 4, "minute": 11, "second": 59}
